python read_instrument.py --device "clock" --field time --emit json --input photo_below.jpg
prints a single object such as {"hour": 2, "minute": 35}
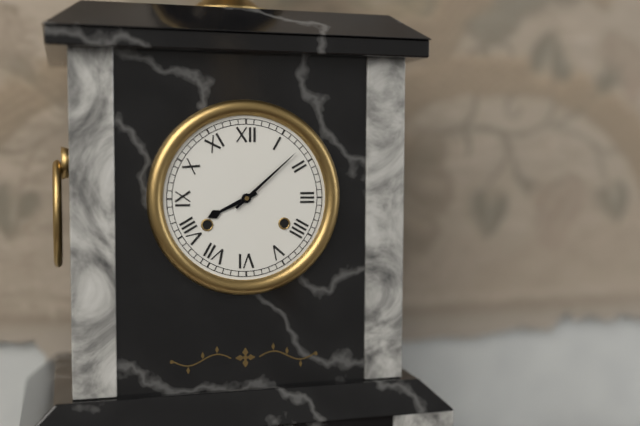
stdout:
{"hour": 8, "minute": 8}
